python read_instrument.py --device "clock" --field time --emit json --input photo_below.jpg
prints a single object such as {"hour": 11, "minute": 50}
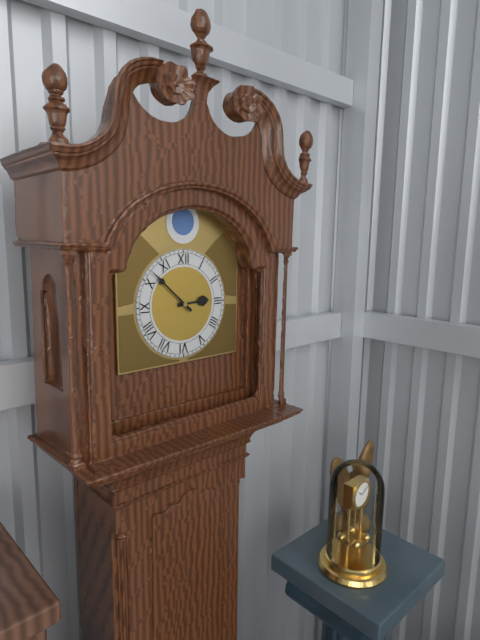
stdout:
{"hour": 2, "minute": 52}
